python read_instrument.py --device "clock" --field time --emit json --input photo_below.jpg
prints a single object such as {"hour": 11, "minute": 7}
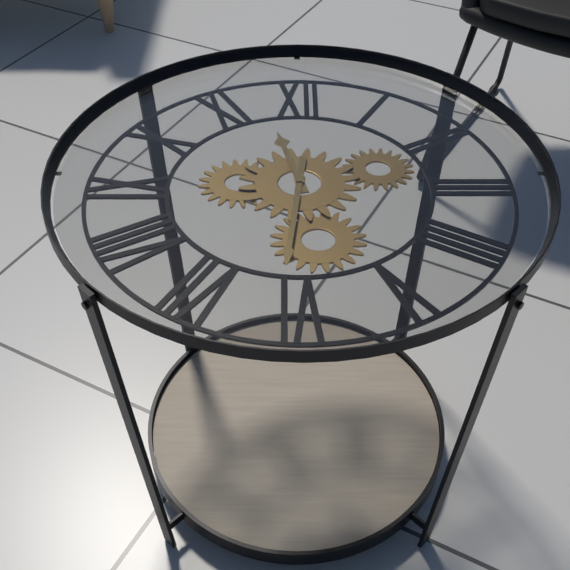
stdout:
{"hour": 11, "minute": 31}
